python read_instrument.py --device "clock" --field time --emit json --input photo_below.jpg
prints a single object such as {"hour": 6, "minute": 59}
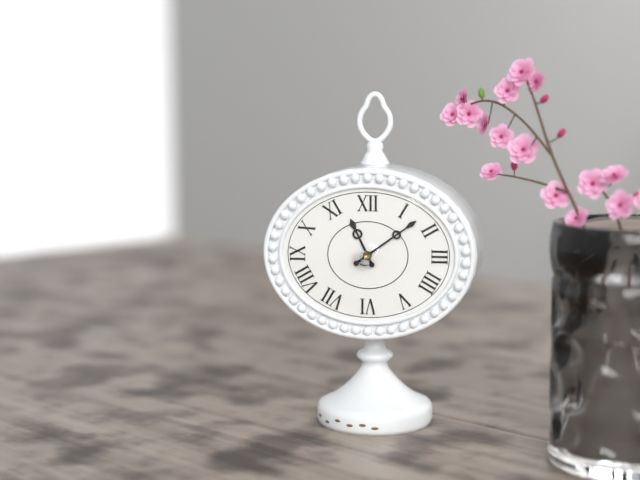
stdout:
{"hour": 11, "minute": 9}
